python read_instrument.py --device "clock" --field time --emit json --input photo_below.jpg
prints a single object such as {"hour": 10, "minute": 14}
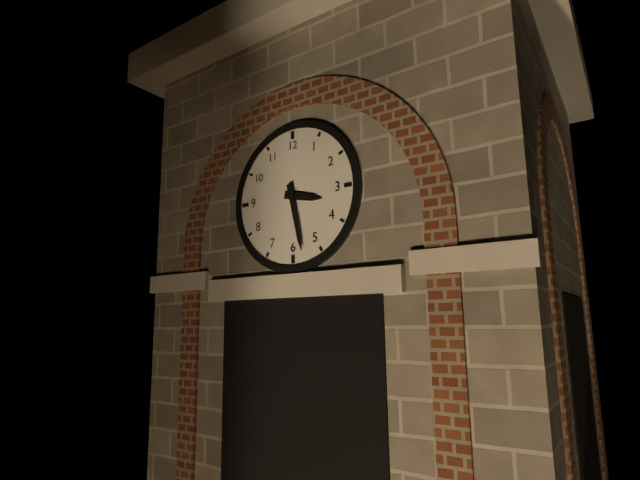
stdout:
{"hour": 3, "minute": 28}
